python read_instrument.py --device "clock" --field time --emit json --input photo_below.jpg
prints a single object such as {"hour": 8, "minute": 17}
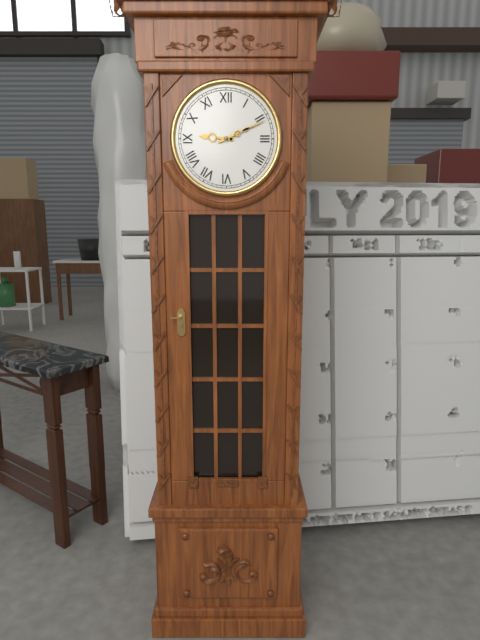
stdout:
{"hour": 9, "minute": 11}
